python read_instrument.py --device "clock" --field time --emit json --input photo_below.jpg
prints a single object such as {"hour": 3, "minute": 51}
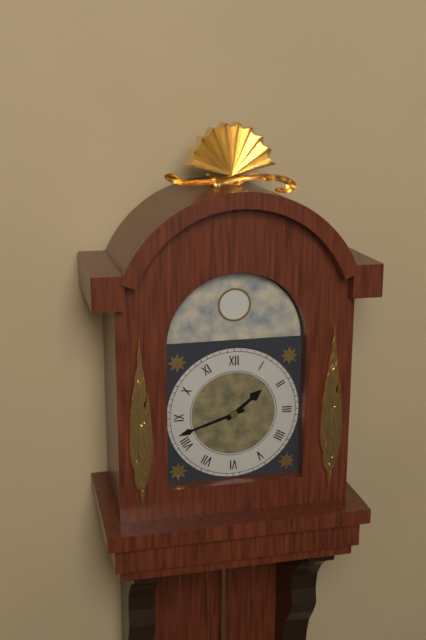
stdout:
{"hour": 1, "minute": 42}
